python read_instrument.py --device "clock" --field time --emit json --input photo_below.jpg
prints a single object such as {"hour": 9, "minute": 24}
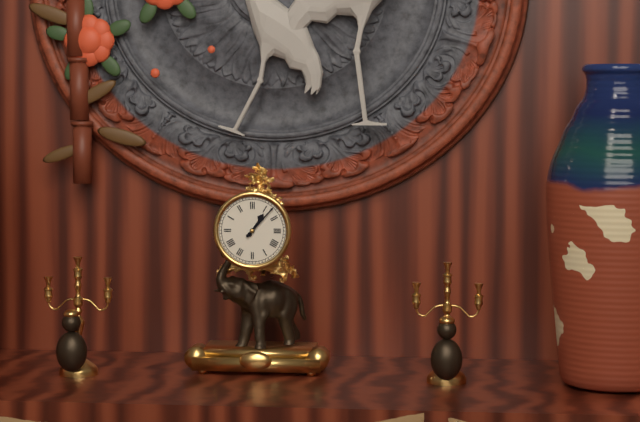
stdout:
{"hour": 1, "minute": 7}
